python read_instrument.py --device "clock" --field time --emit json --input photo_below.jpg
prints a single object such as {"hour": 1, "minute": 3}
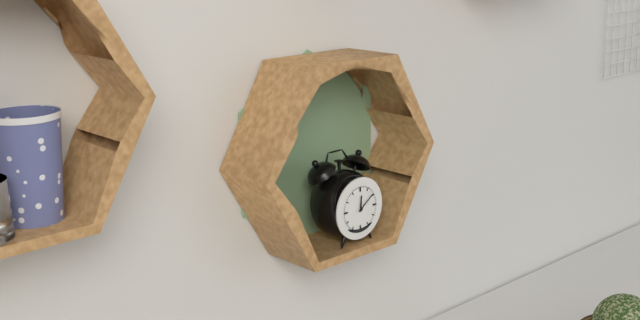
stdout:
{"hour": 12, "minute": 9}
